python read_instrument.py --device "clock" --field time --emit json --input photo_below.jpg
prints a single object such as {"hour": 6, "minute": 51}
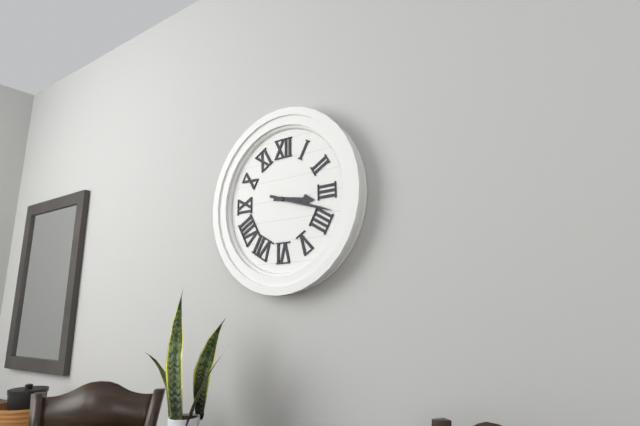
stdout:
{"hour": 3, "minute": 18}
